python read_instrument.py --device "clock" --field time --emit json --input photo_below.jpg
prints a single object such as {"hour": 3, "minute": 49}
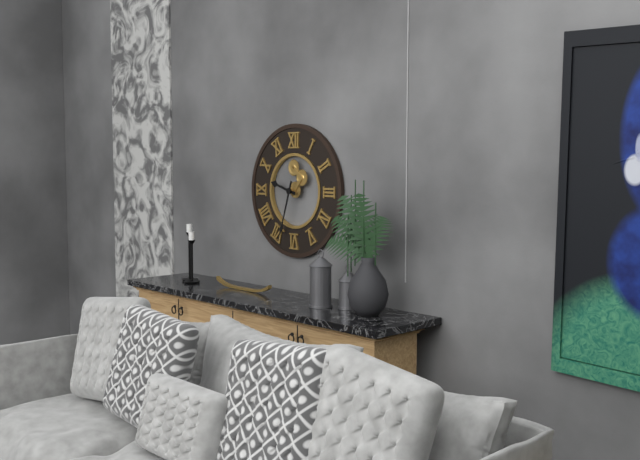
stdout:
{"hour": 9, "minute": 33}
